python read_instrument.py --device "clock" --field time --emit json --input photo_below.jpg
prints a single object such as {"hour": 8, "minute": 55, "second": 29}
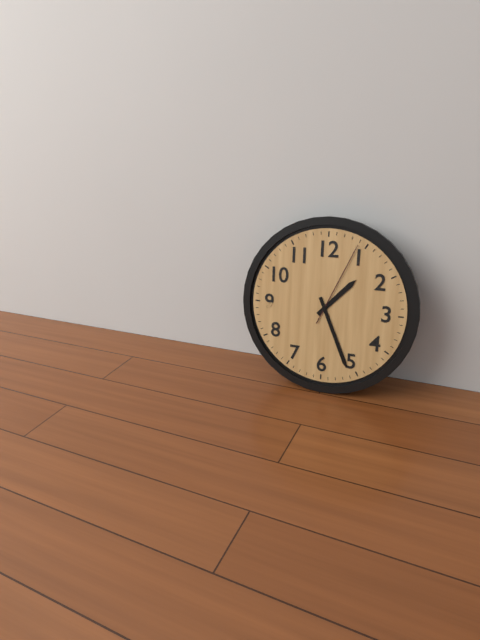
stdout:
{"hour": 1, "minute": 26, "second": 4}
